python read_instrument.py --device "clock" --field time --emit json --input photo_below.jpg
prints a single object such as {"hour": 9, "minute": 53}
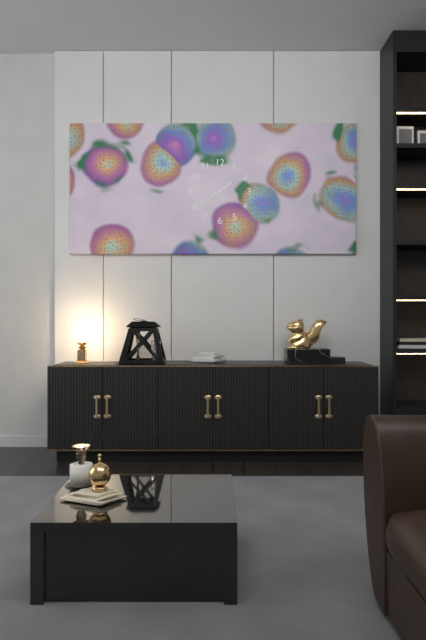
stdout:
{"hour": 1, "minute": 39}
